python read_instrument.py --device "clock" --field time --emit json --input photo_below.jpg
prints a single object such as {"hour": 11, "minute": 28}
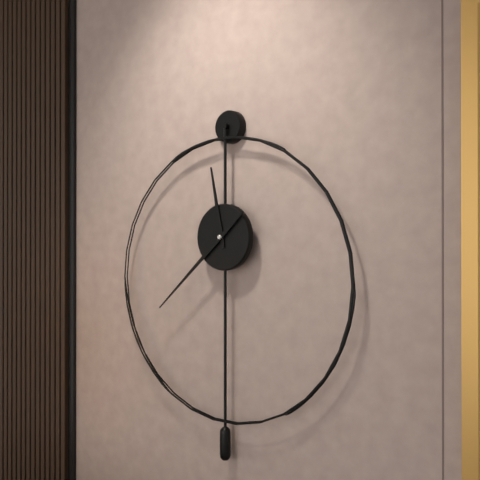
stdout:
{"hour": 11, "minute": 38}
